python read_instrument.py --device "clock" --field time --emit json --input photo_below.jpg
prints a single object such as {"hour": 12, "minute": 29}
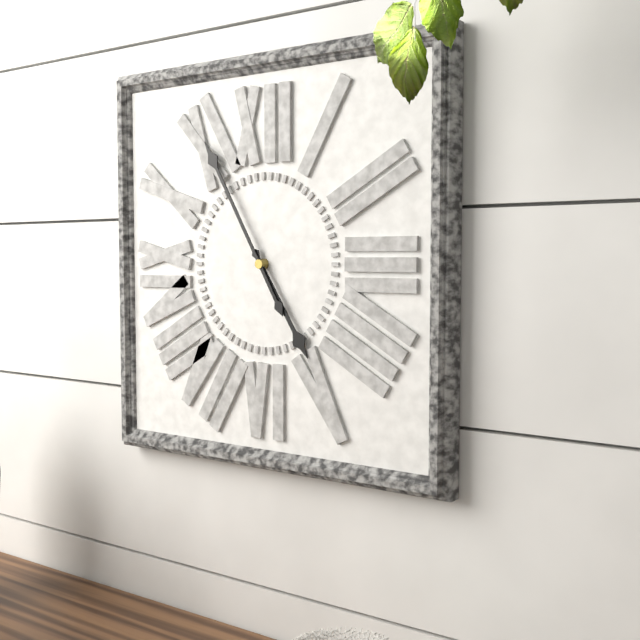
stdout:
{"hour": 4, "minute": 55}
